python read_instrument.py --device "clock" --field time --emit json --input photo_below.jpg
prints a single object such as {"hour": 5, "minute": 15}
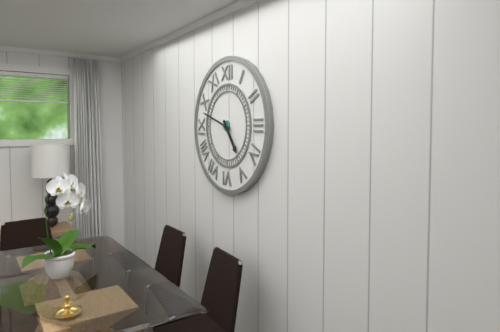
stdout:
{"hour": 4, "minute": 48}
